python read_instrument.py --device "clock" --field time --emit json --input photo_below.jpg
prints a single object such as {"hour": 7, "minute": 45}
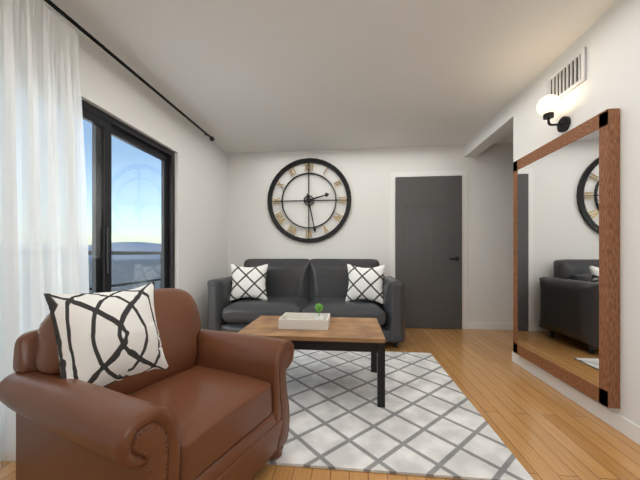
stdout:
{"hour": 2, "minute": 28}
